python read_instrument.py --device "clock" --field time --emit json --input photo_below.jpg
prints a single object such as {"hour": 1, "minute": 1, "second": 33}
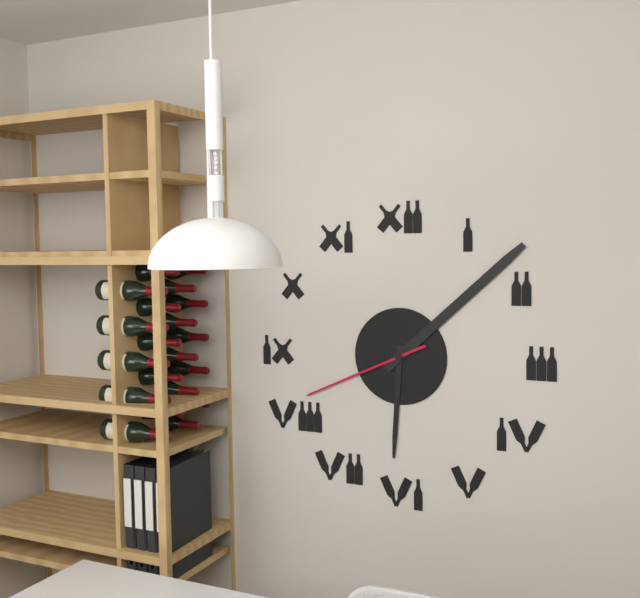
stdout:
{"hour": 6, "minute": 8, "second": 41}
